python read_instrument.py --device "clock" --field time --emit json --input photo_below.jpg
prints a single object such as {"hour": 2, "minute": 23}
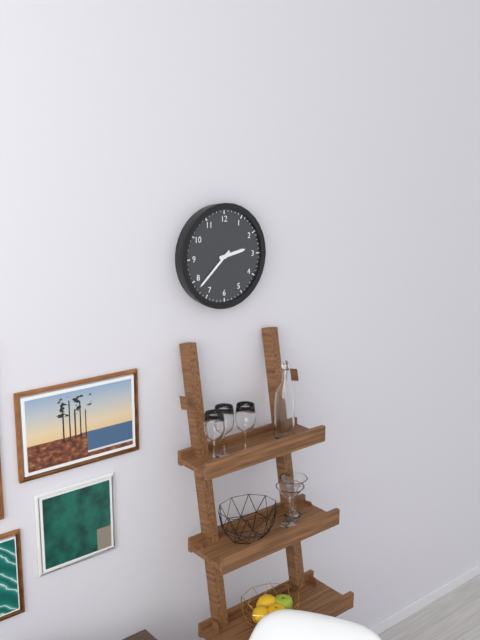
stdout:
{"hour": 2, "minute": 38}
